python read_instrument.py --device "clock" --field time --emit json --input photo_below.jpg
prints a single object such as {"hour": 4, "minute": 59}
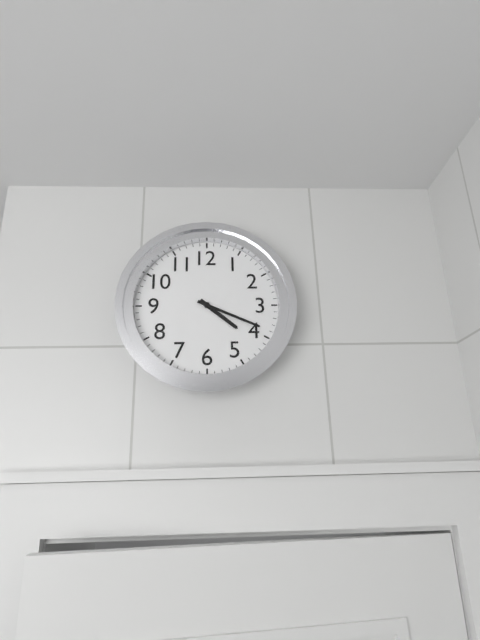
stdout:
{"hour": 4, "minute": 19}
